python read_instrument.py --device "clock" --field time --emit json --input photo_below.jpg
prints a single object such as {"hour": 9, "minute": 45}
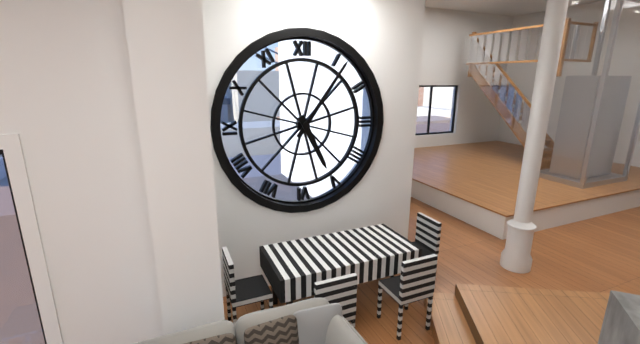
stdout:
{"hour": 5, "minute": 6}
